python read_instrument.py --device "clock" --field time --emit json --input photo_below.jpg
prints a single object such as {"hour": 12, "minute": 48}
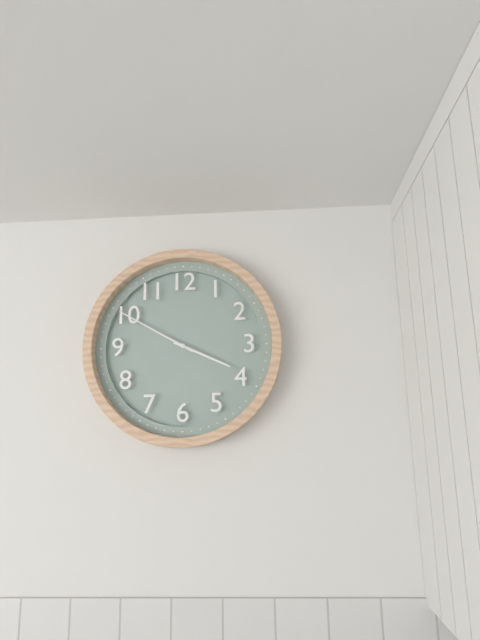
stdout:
{"hour": 3, "minute": 50}
